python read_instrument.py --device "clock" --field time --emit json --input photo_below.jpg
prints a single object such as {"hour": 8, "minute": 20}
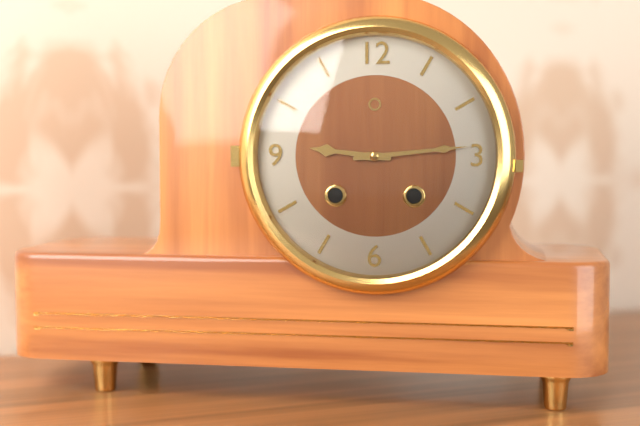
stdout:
{"hour": 9, "minute": 14}
